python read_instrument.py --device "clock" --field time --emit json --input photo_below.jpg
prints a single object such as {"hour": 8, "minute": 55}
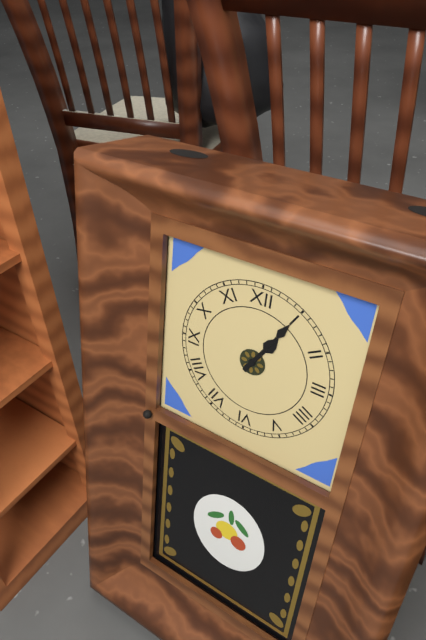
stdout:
{"hour": 1, "minute": 5}
